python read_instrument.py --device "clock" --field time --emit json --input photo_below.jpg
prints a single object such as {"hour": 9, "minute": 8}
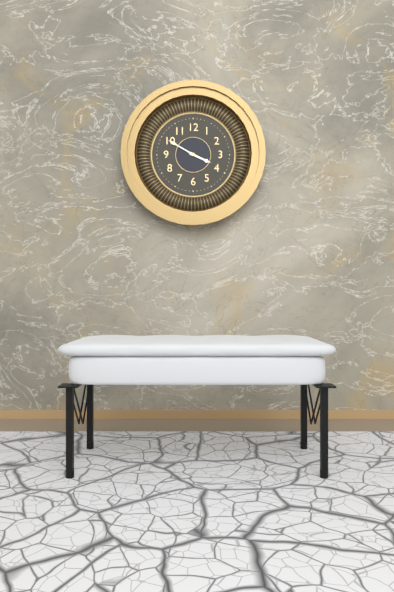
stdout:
{"hour": 3, "minute": 50}
